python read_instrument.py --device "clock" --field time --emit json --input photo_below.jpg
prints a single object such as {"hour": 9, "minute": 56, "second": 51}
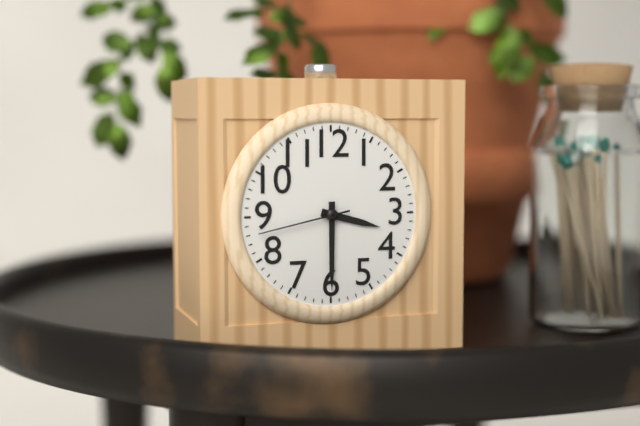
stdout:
{"hour": 3, "minute": 30, "second": 43}
